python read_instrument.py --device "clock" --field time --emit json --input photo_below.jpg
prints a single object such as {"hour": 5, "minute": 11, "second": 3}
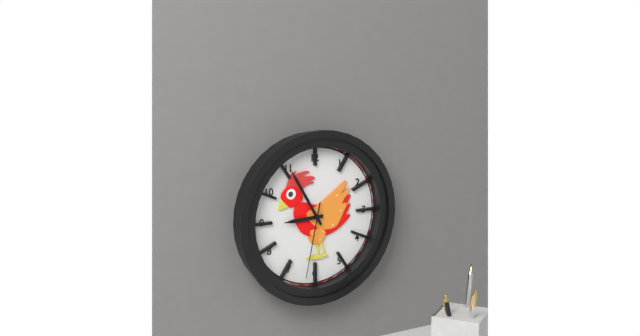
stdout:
{"hour": 8, "minute": 55, "second": 32}
